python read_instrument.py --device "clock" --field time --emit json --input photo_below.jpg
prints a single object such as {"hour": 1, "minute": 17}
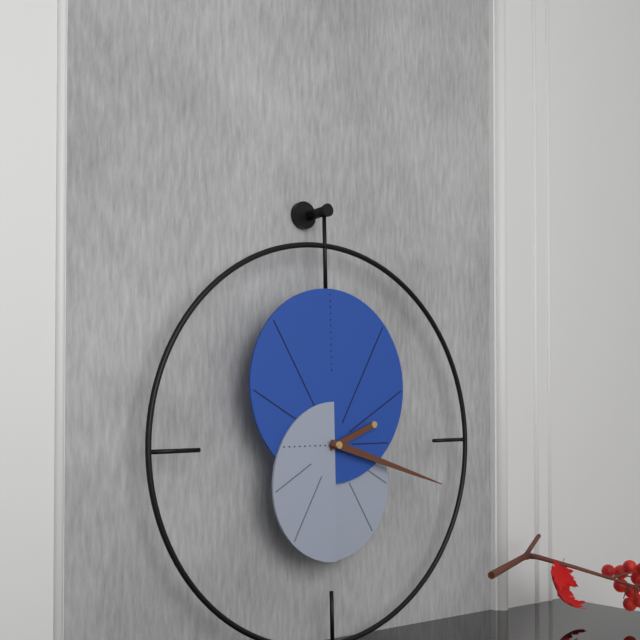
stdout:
{"hour": 2, "minute": 18}
